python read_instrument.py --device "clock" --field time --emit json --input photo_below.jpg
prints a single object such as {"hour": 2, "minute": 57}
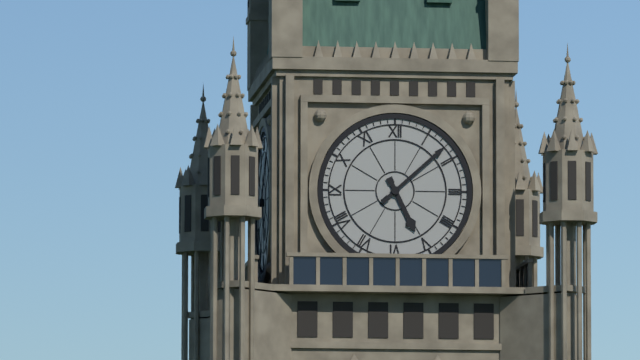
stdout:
{"hour": 5, "minute": 8}
